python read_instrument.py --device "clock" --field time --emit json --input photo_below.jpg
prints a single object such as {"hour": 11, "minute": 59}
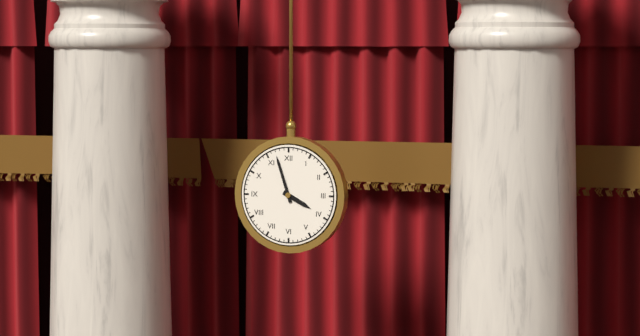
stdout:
{"hour": 3, "minute": 57}
